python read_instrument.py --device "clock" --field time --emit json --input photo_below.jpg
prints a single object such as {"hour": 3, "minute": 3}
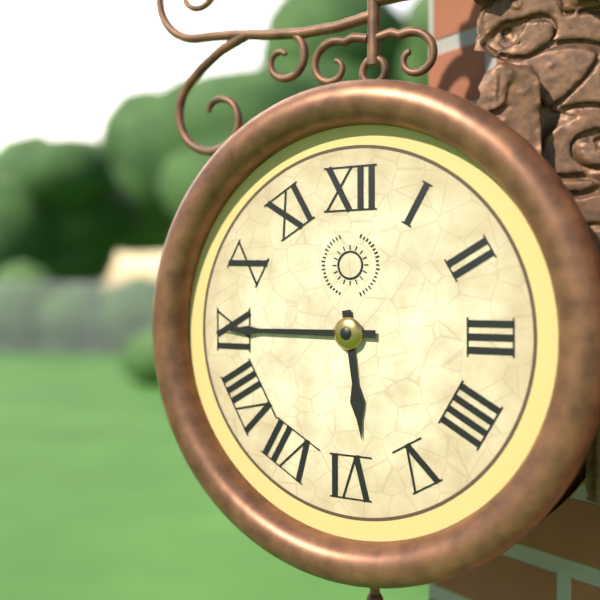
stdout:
{"hour": 5, "minute": 45}
